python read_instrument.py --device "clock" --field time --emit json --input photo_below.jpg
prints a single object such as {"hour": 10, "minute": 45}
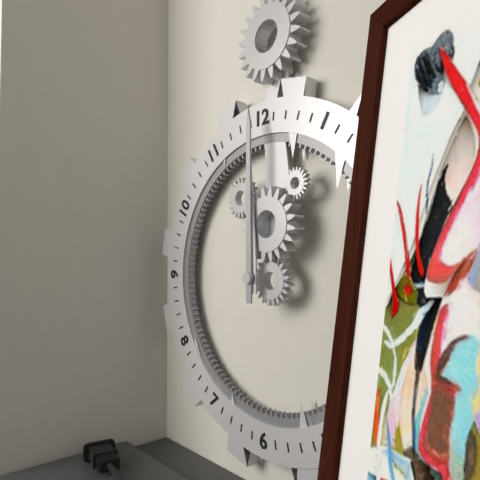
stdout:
{"hour": 12, "minute": 0}
